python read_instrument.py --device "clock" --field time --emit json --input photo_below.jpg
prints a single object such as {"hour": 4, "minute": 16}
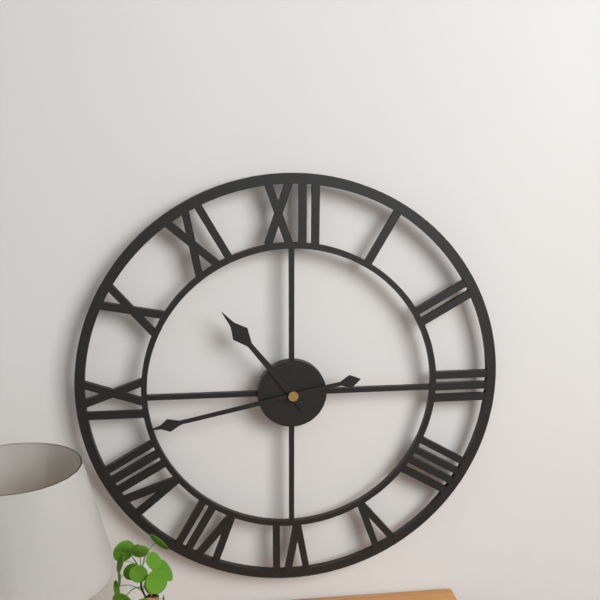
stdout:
{"hour": 10, "minute": 43}
